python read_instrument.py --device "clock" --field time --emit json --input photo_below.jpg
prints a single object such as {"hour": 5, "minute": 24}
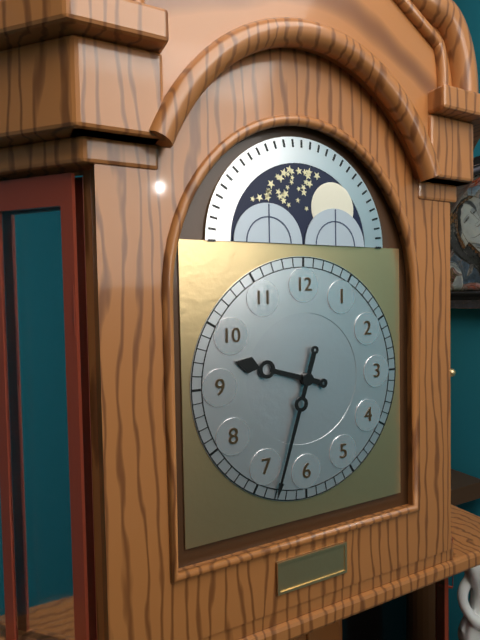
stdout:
{"hour": 9, "minute": 33}
